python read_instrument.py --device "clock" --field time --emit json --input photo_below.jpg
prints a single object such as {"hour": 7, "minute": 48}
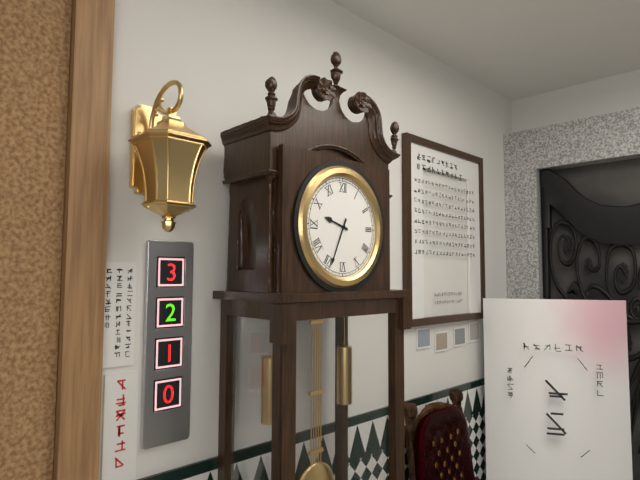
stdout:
{"hour": 9, "minute": 34}
